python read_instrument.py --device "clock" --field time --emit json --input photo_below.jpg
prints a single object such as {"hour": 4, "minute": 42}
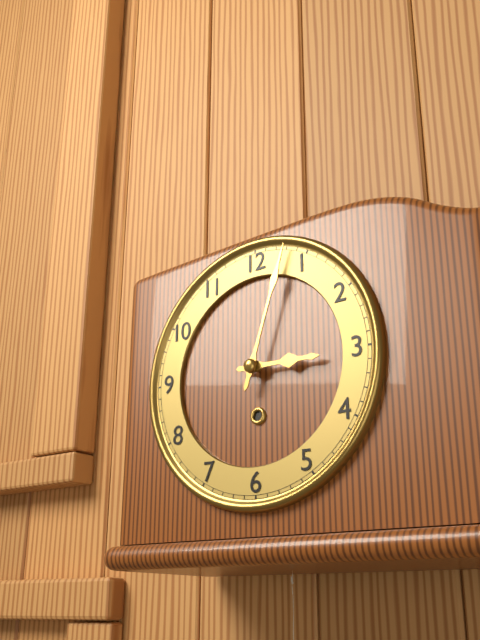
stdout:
{"hour": 3, "minute": 3}
